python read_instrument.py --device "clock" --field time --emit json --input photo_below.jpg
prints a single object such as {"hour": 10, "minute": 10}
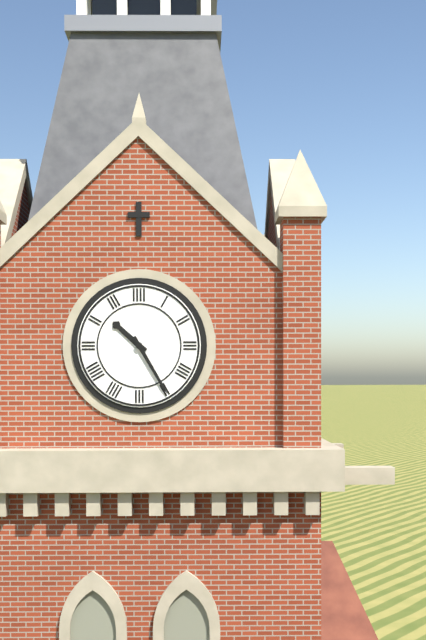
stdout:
{"hour": 10, "minute": 25}
